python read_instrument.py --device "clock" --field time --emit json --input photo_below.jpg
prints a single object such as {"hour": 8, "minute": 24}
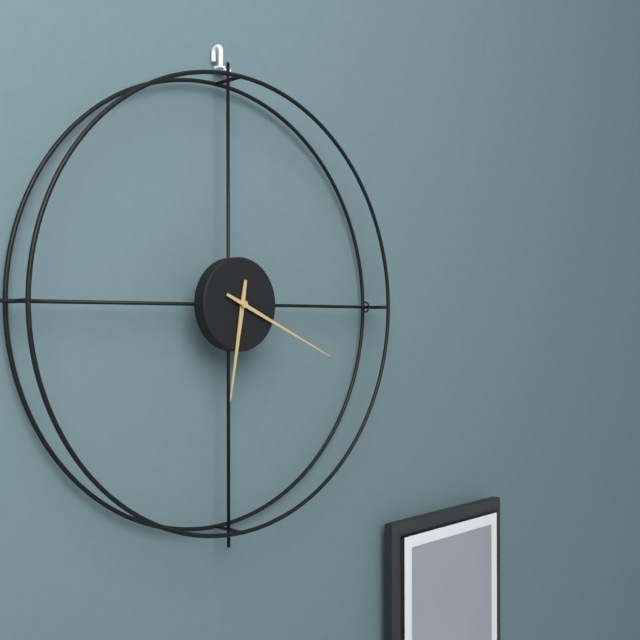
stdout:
{"hour": 6, "minute": 19}
